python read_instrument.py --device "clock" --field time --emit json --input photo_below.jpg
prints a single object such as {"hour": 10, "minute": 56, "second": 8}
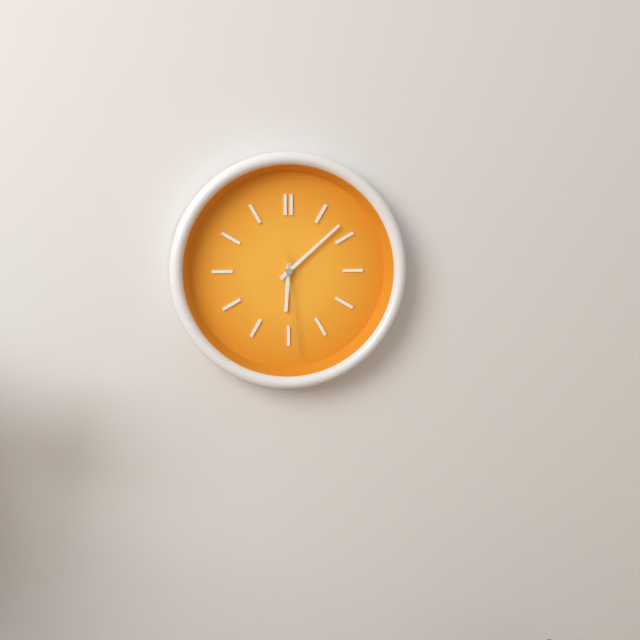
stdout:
{"hour": 6, "minute": 8, "second": 29}
